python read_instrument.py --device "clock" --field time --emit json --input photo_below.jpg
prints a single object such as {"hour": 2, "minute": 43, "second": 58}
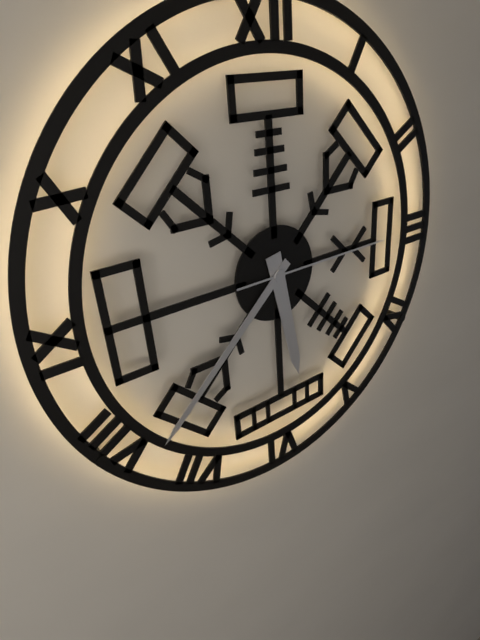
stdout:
{"hour": 5, "minute": 38, "second": 15}
